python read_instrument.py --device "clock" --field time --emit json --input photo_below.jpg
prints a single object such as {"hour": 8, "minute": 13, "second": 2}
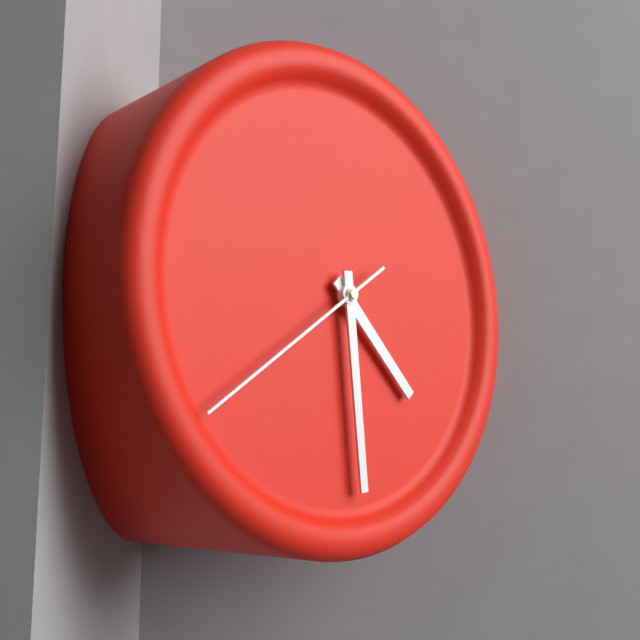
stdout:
{"hour": 4, "minute": 29, "second": 39}
